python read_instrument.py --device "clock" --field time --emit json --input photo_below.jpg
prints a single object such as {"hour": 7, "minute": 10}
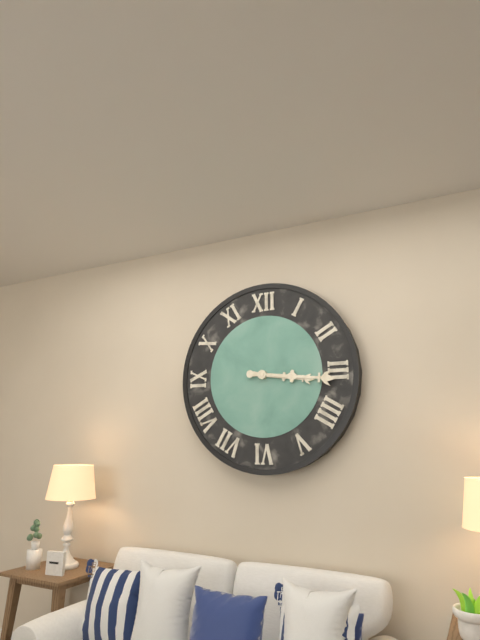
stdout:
{"hour": 3, "minute": 16}
